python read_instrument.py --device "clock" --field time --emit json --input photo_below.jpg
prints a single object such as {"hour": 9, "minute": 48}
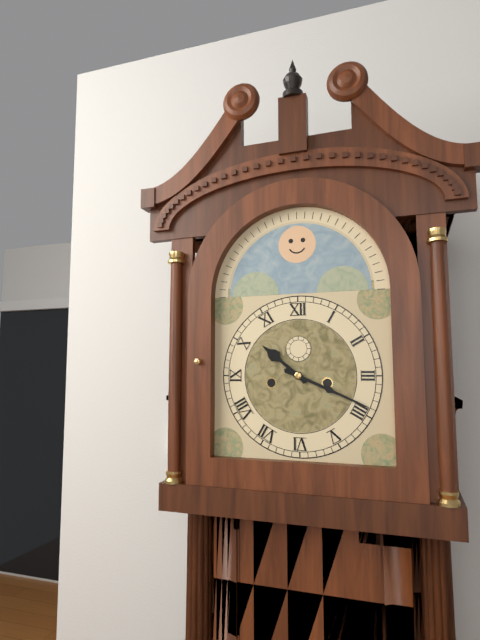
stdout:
{"hour": 10, "minute": 19}
